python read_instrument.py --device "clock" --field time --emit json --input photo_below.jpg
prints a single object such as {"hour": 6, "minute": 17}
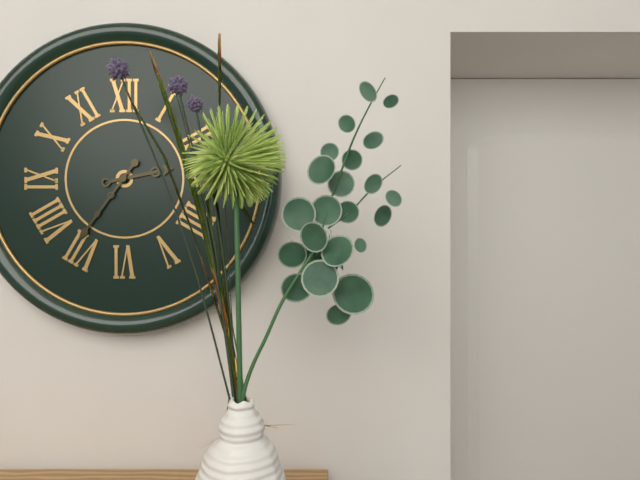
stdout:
{"hour": 2, "minute": 36}
